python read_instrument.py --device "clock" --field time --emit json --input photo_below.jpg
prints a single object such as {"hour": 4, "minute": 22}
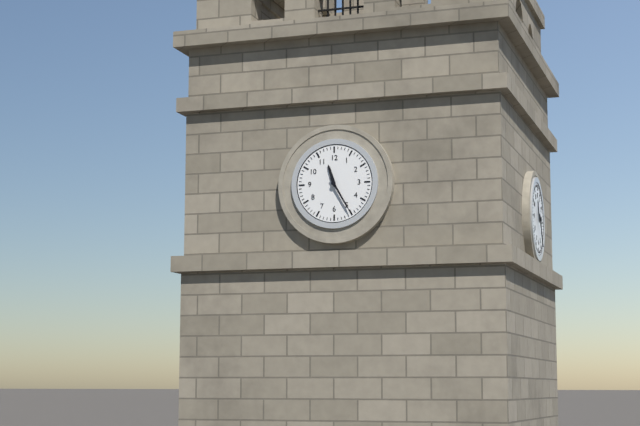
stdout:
{"hour": 11, "minute": 25}
